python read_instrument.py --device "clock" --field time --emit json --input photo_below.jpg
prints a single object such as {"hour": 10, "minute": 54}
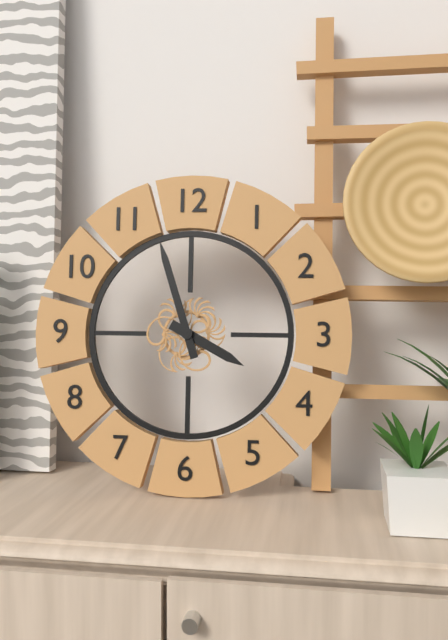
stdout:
{"hour": 3, "minute": 57}
